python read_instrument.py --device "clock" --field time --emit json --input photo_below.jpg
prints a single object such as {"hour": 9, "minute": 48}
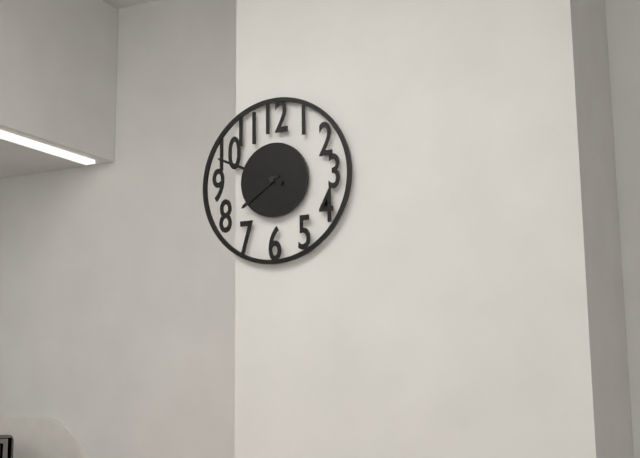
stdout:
{"hour": 7, "minute": 49}
